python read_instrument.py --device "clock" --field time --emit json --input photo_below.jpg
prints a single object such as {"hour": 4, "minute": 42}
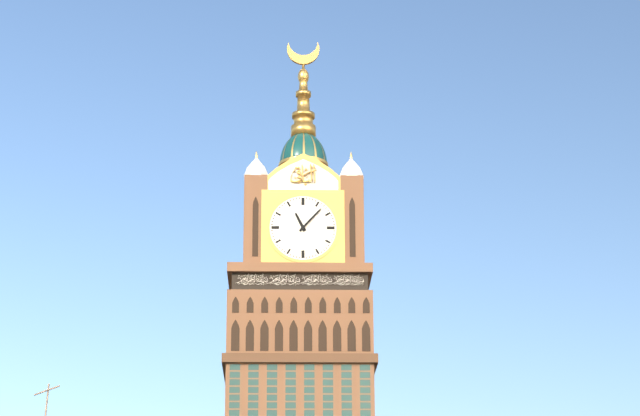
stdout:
{"hour": 11, "minute": 7}
